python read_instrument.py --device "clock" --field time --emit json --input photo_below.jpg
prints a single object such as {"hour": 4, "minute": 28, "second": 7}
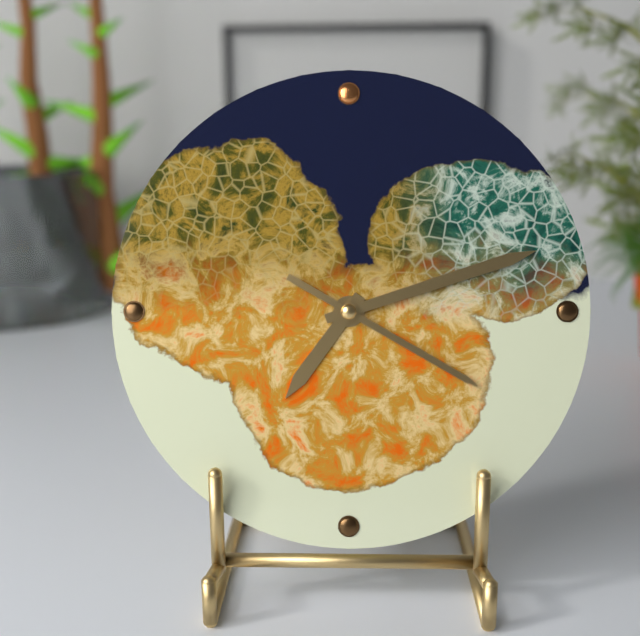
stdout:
{"hour": 7, "minute": 12, "second": 20}
